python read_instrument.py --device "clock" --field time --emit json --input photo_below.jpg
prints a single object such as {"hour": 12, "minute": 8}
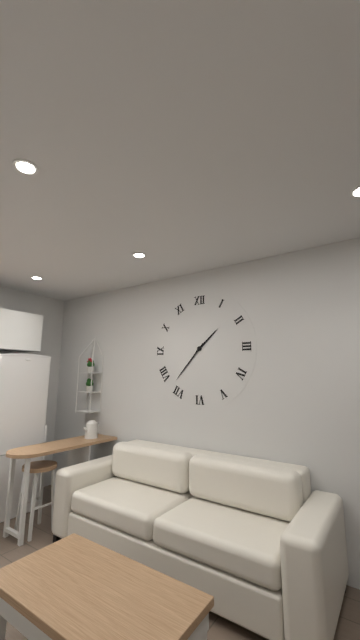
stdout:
{"hour": 1, "minute": 37}
